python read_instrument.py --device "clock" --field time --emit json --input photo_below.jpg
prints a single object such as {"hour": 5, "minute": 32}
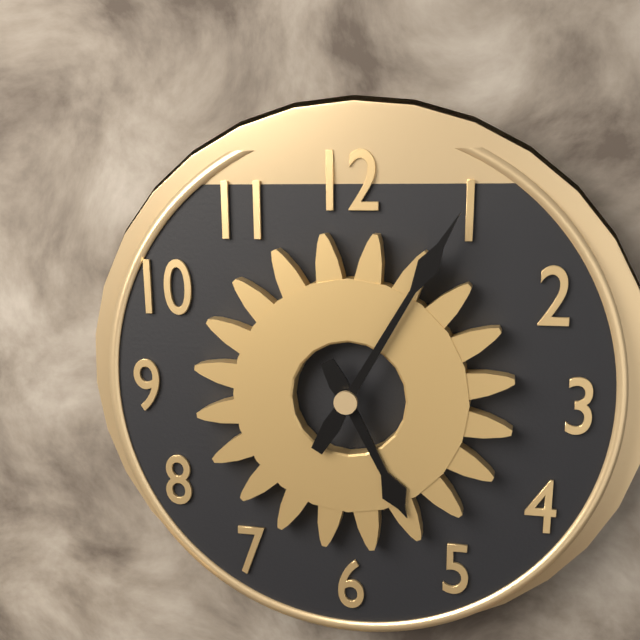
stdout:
{"hour": 5, "minute": 5}
